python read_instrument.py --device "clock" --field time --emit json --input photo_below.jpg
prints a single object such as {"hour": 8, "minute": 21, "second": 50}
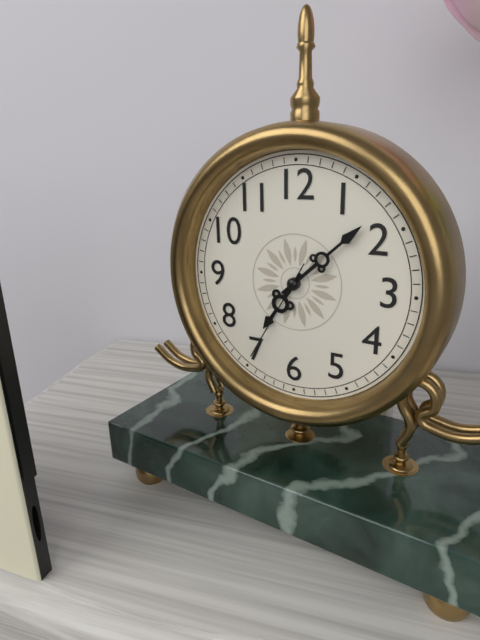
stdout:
{"hour": 7, "minute": 8, "second": 35}
